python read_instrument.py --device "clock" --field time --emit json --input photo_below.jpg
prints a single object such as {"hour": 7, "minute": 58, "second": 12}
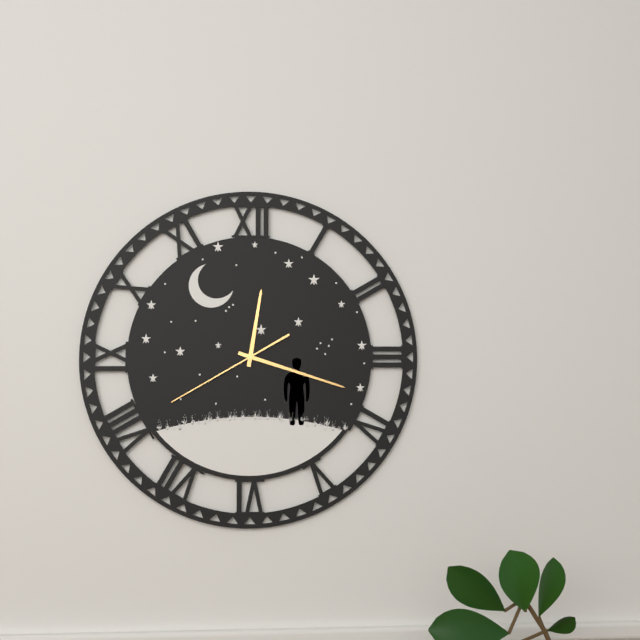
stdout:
{"hour": 12, "minute": 18, "second": 40}
